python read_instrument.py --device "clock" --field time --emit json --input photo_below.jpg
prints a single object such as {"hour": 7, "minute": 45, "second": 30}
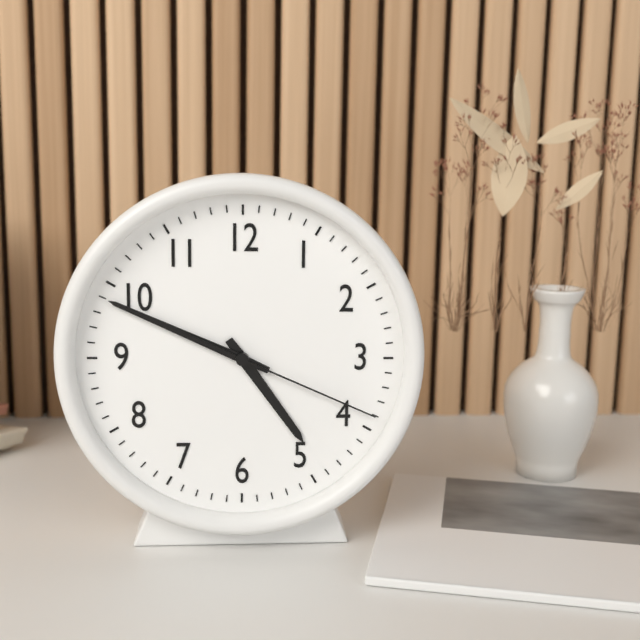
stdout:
{"hour": 4, "minute": 49, "second": 19}
